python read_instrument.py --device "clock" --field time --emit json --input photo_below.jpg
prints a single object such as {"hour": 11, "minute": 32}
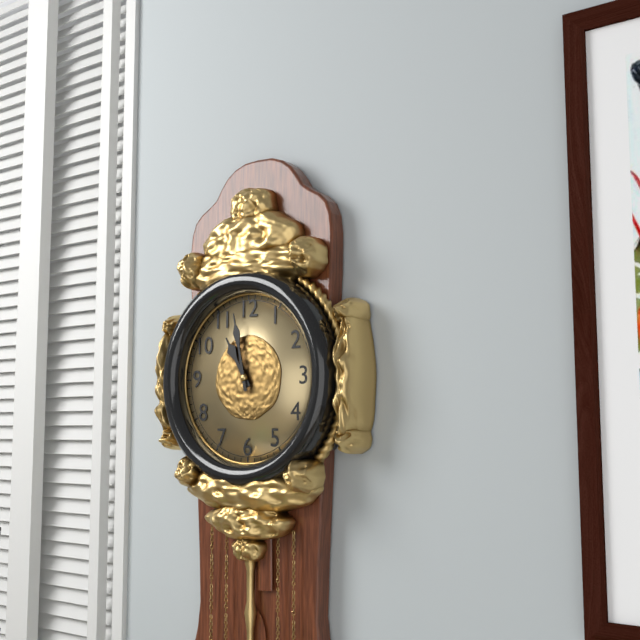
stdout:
{"hour": 10, "minute": 58}
